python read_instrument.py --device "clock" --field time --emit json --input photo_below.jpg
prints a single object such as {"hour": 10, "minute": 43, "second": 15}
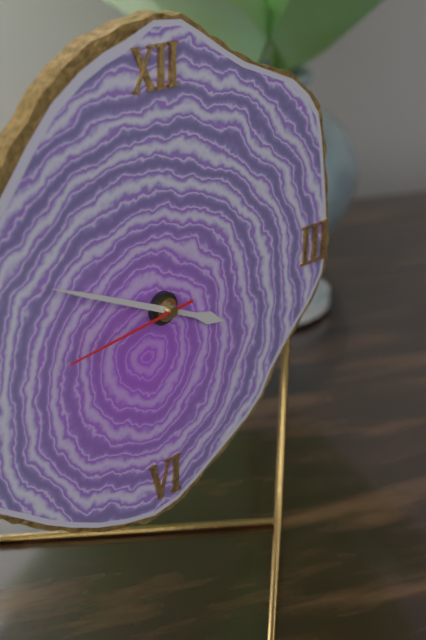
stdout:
{"hour": 3, "minute": 49, "second": 44}
